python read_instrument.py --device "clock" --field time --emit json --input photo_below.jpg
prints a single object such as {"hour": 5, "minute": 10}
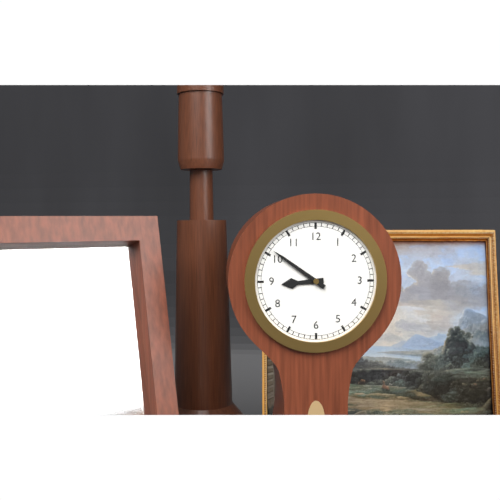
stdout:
{"hour": 8, "minute": 51}
